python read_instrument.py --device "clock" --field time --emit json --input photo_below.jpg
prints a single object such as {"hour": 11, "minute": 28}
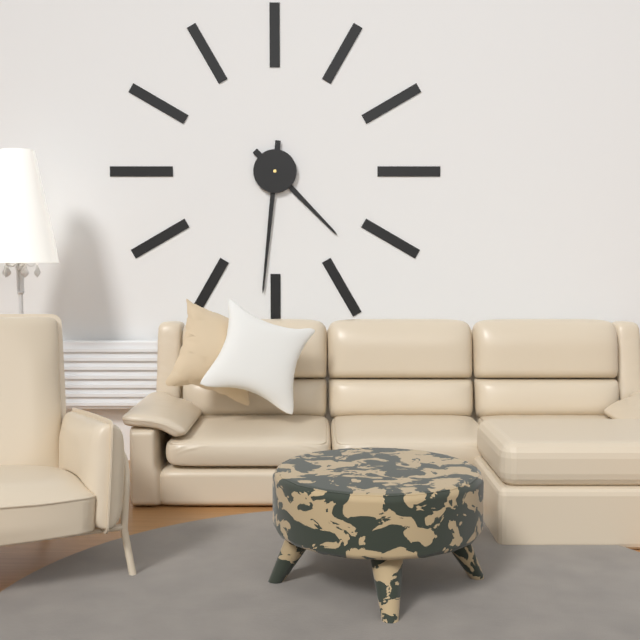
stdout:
{"hour": 4, "minute": 31}
